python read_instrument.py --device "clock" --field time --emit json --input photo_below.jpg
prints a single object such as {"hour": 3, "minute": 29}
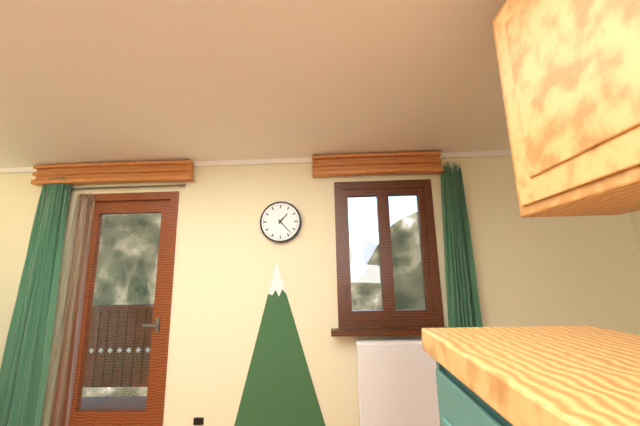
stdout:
{"hour": 1, "minute": 23}
